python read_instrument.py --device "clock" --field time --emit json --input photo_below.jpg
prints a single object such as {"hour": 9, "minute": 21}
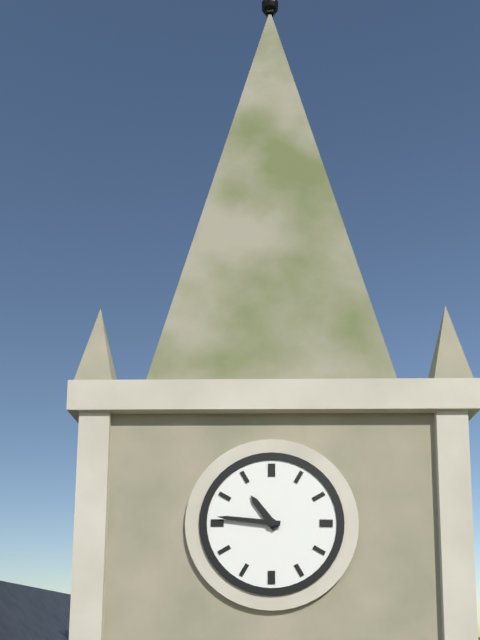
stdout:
{"hour": 10, "minute": 46}
